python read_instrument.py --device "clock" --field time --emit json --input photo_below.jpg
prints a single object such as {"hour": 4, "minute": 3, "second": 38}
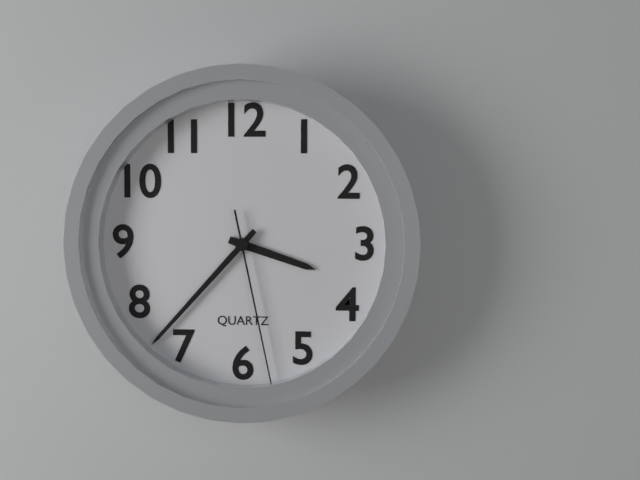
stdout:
{"hour": 3, "minute": 37, "second": 28}
